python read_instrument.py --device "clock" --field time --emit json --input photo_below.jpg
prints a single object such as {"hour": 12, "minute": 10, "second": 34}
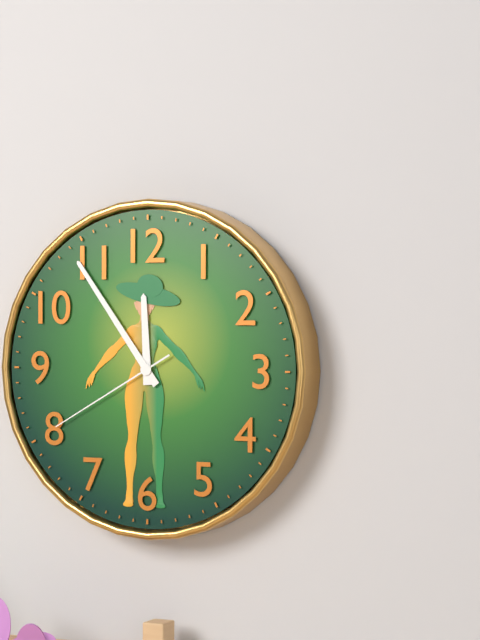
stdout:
{"hour": 11, "minute": 54, "second": 40}
